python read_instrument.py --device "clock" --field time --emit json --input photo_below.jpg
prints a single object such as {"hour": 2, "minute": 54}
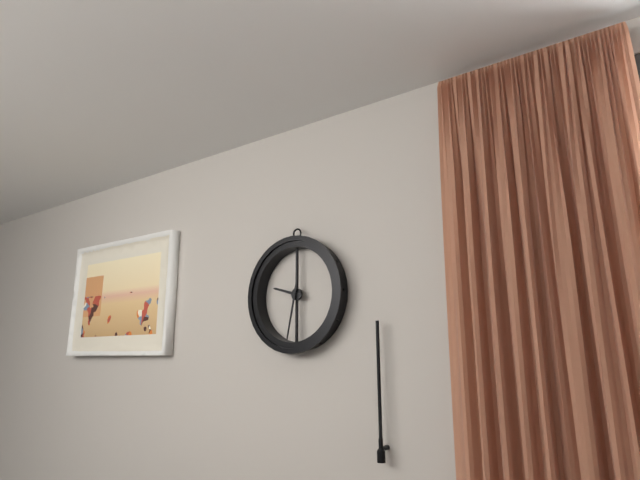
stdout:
{"hour": 9, "minute": 32}
